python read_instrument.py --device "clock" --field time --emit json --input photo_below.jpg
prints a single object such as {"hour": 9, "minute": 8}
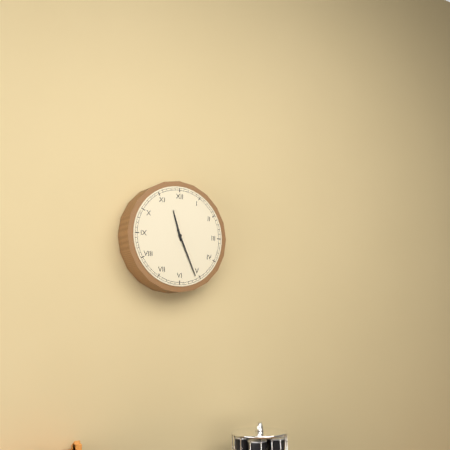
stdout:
{"hour": 11, "minute": 26}
